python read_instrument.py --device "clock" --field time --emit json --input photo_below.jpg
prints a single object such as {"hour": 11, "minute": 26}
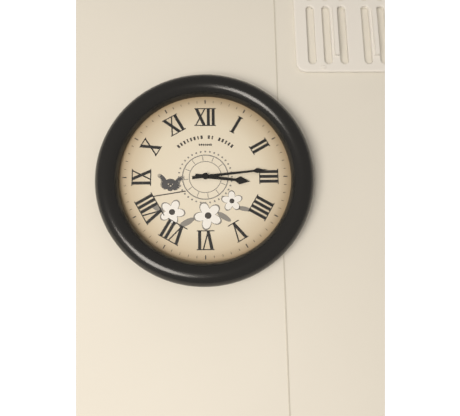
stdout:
{"hour": 3, "minute": 14}
